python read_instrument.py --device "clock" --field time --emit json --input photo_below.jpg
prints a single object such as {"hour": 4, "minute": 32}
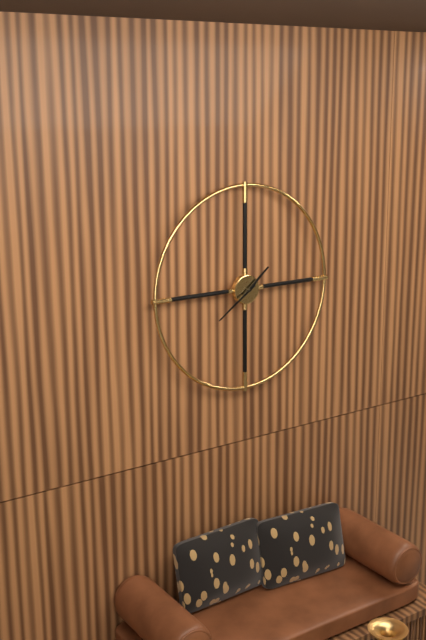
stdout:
{"hour": 1, "minute": 39}
